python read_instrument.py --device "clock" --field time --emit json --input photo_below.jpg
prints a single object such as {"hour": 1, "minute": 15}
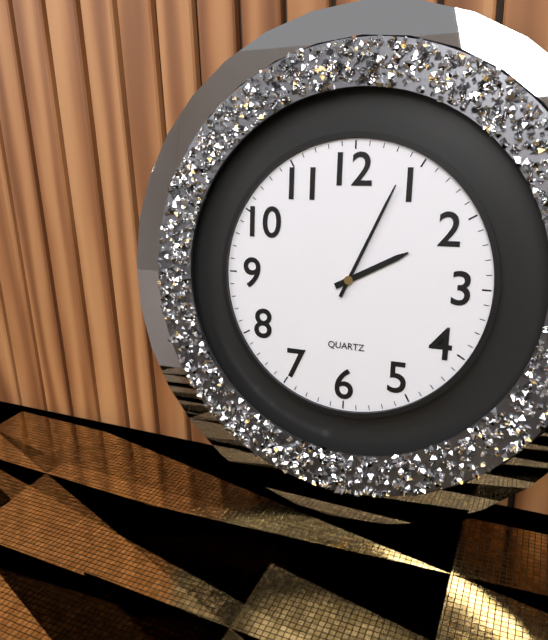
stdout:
{"hour": 2, "minute": 4}
